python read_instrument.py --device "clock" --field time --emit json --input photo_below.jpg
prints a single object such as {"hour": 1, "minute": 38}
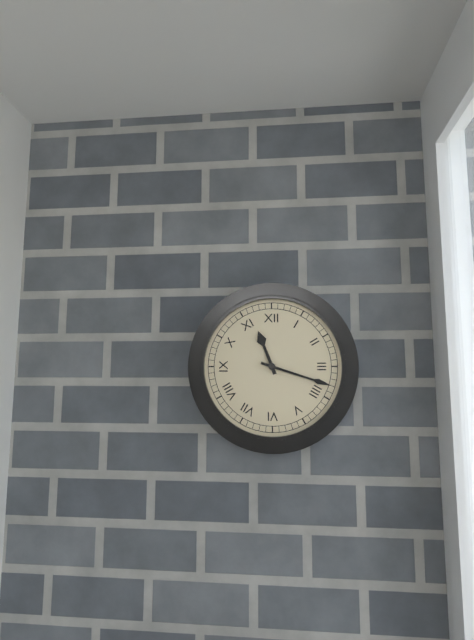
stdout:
{"hour": 11, "minute": 18}
